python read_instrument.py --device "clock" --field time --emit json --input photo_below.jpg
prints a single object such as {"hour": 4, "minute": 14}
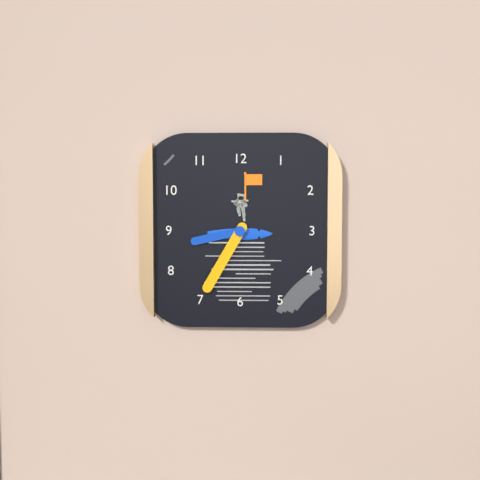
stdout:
{"hour": 8, "minute": 35}
